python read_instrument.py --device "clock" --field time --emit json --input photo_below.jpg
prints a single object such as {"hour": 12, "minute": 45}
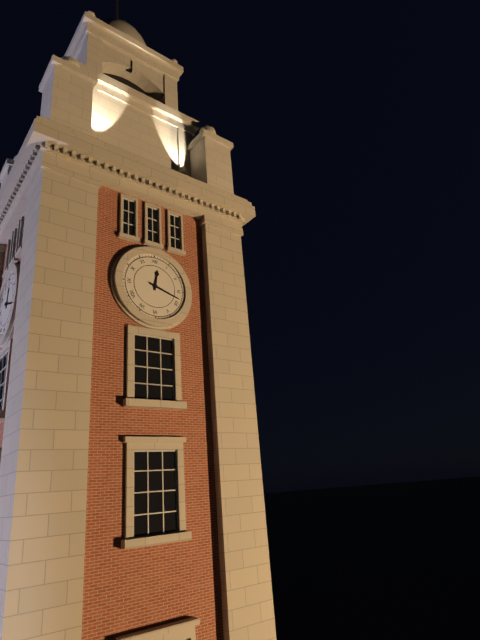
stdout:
{"hour": 12, "minute": 18}
